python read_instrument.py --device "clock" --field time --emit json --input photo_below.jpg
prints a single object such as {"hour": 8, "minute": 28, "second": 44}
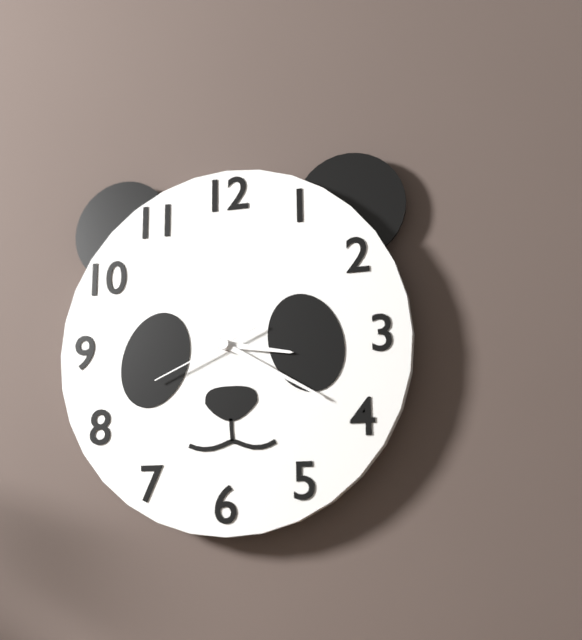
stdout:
{"hour": 3, "minute": 20, "second": 41}
